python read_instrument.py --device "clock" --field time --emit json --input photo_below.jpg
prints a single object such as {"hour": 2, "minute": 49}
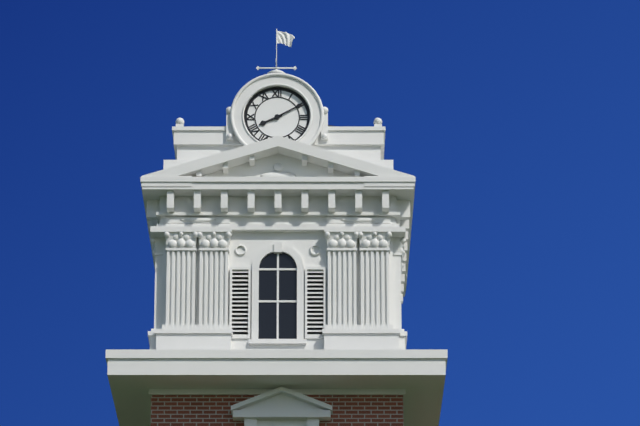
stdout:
{"hour": 8, "minute": 10}
